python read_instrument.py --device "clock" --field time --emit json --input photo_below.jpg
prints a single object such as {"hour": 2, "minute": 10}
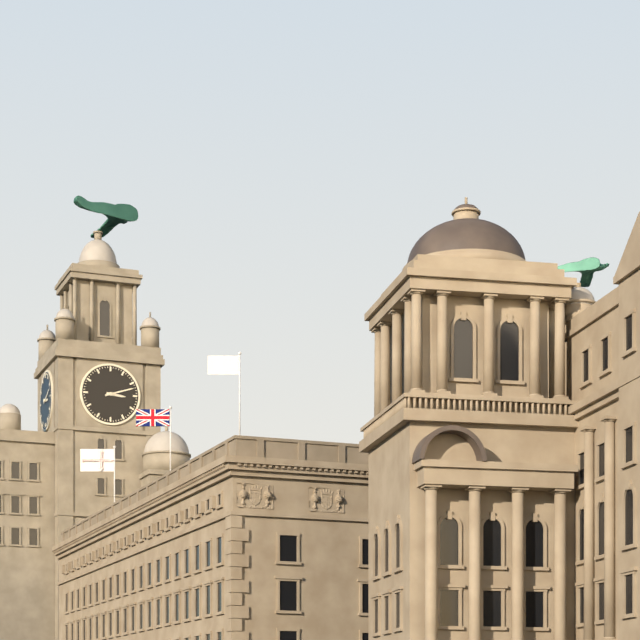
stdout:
{"hour": 3, "minute": 12}
